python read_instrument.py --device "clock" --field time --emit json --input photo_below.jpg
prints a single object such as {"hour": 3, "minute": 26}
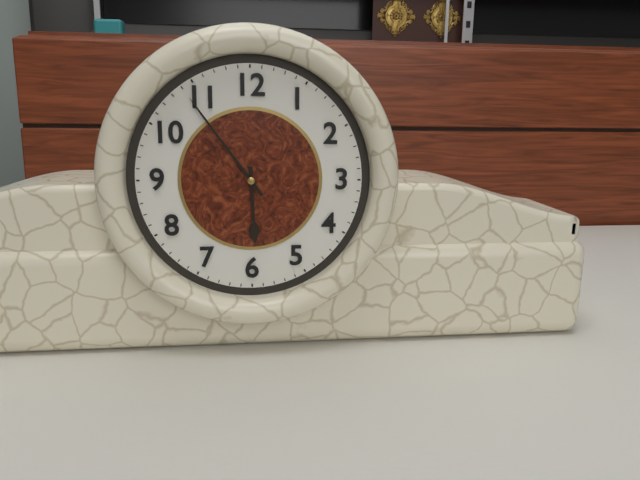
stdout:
{"hour": 5, "minute": 54}
